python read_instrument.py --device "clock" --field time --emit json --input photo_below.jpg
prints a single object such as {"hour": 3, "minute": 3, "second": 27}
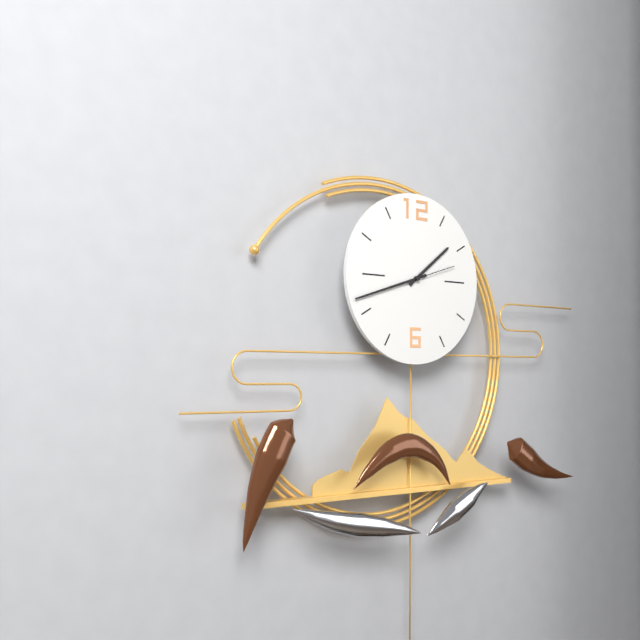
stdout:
{"hour": 1, "minute": 42, "second": 12}
